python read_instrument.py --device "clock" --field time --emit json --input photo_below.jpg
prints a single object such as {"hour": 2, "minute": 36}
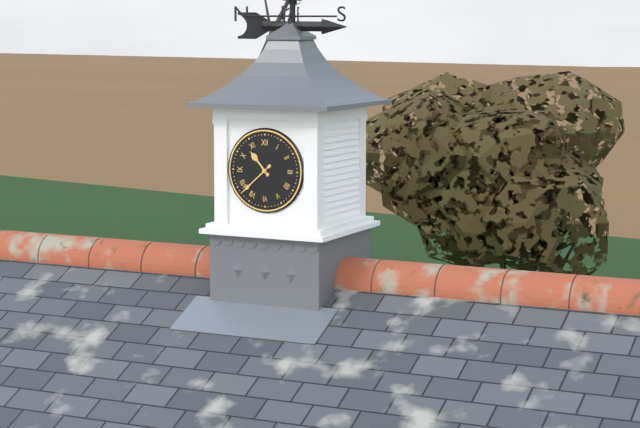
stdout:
{"hour": 10, "minute": 38}
